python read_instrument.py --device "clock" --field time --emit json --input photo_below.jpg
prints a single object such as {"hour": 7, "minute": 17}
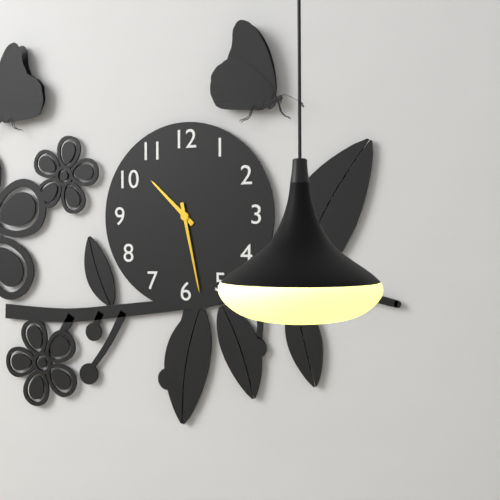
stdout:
{"hour": 10, "minute": 28}
